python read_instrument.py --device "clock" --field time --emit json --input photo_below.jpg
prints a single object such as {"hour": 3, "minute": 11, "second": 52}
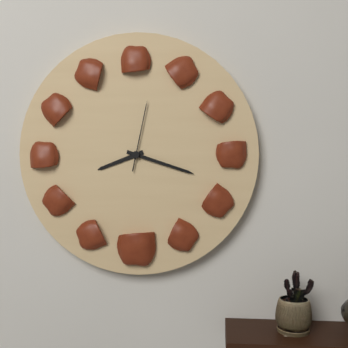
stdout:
{"hour": 8, "minute": 18, "second": 2}
